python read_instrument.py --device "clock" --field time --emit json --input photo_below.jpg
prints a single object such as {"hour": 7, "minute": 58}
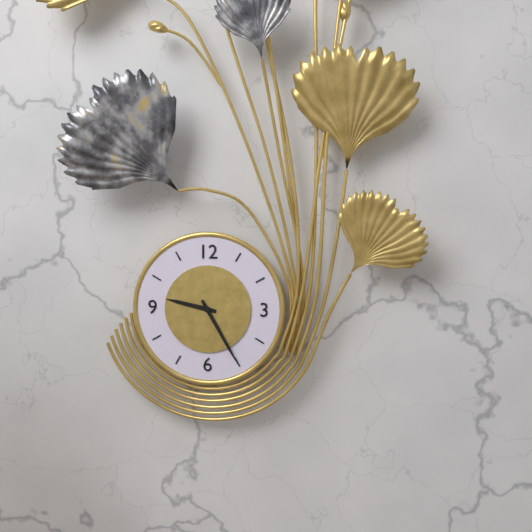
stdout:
{"hour": 9, "minute": 25}
